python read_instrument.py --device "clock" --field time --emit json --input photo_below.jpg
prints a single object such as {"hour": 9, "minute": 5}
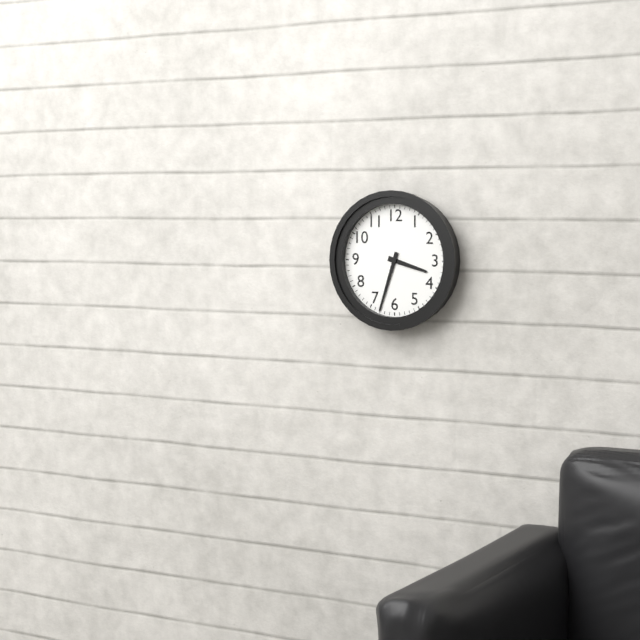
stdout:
{"hour": 3, "minute": 33}
